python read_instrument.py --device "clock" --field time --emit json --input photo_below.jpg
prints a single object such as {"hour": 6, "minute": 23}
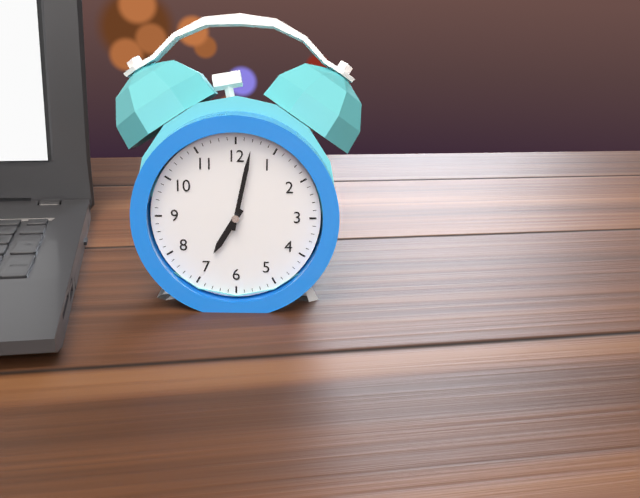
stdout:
{"hour": 7, "minute": 2}
